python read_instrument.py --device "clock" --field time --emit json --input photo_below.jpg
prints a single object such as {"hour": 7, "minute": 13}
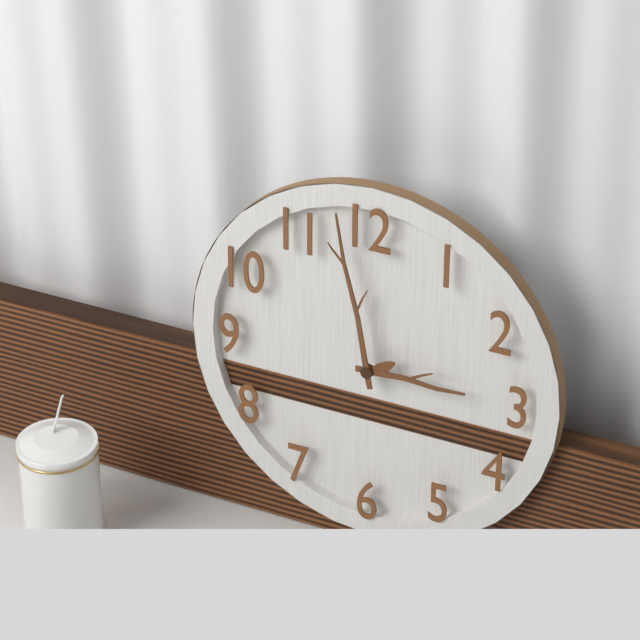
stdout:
{"hour": 2, "minute": 58}
